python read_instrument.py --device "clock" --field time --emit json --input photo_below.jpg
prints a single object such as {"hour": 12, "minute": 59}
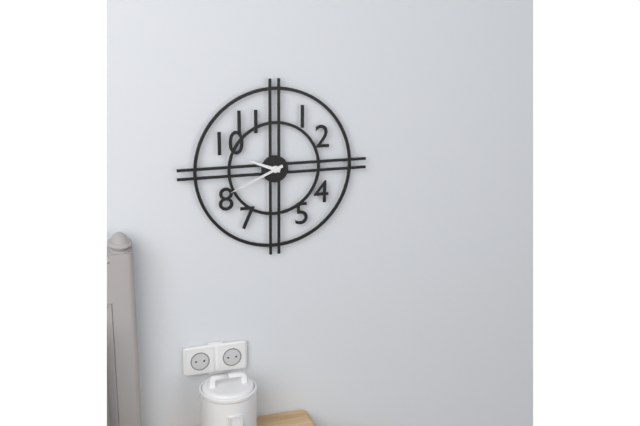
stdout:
{"hour": 9, "minute": 41}
